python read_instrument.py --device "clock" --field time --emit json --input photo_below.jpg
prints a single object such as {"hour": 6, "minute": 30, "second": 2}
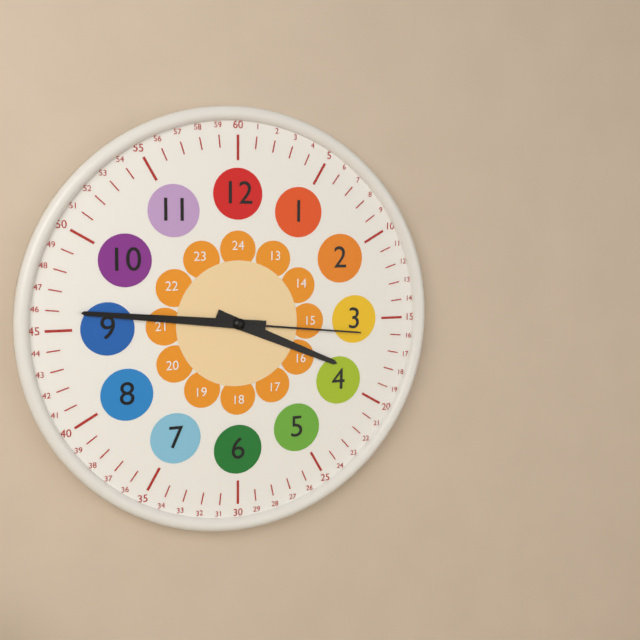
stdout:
{"hour": 3, "minute": 46, "second": 16}
